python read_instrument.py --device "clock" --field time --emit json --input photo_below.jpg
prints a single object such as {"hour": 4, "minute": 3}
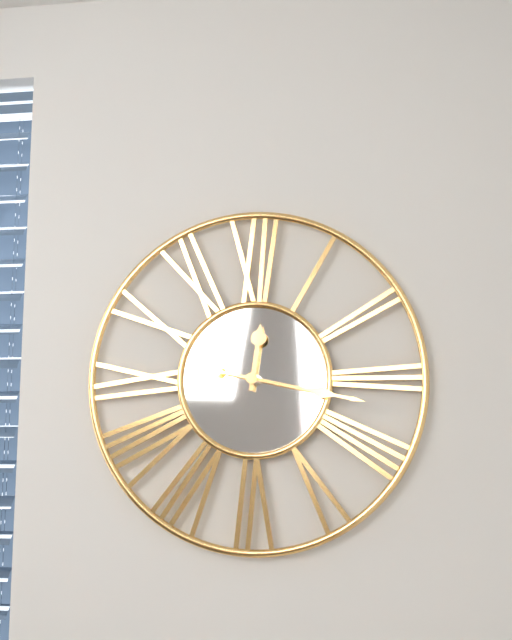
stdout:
{"hour": 12, "minute": 17}
